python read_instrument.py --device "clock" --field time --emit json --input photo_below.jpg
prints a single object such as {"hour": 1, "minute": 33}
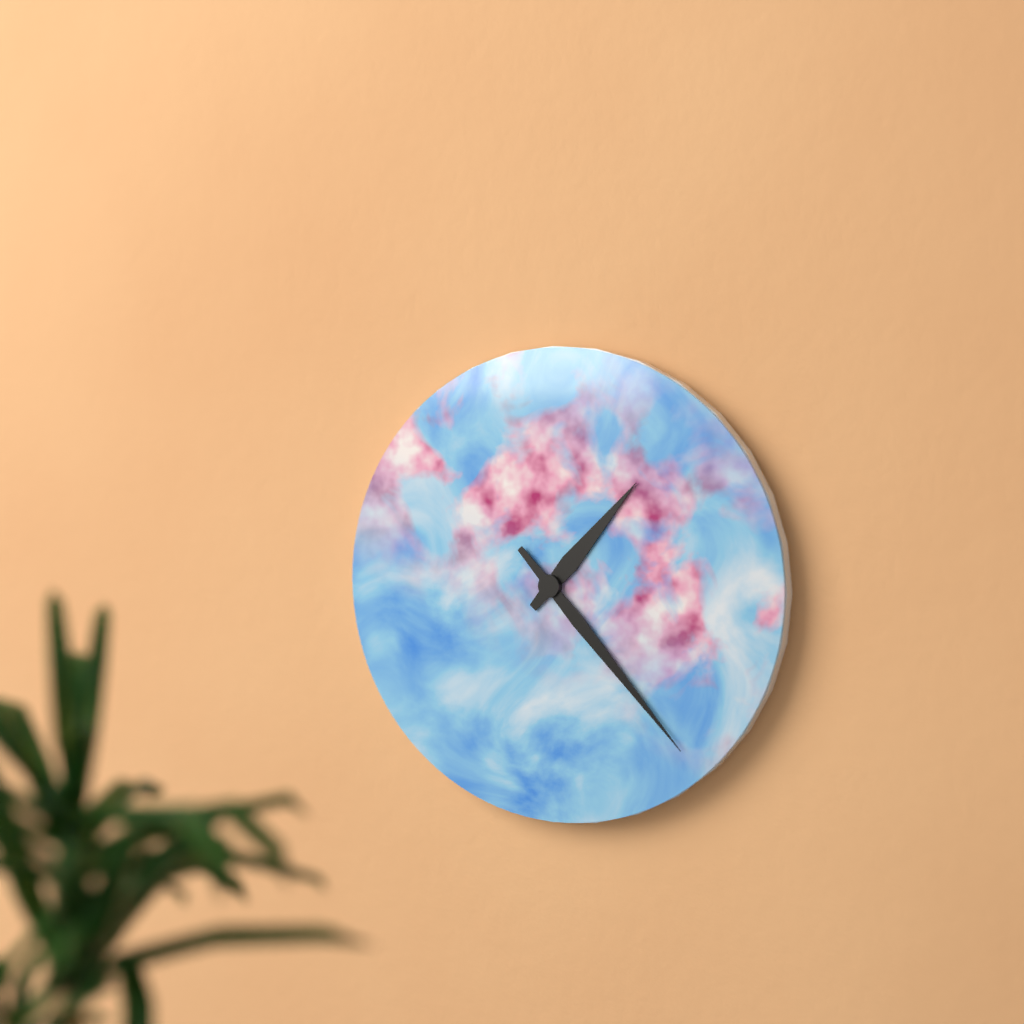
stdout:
{"hour": 1, "minute": 23}
